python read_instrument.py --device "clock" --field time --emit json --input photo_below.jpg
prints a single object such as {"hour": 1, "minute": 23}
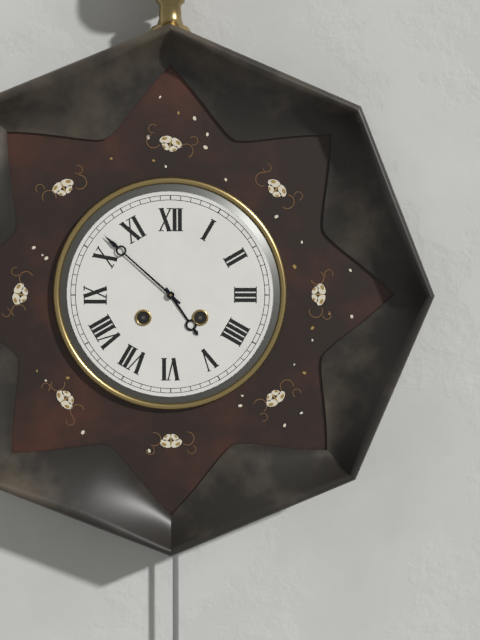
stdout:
{"hour": 4, "minute": 52}
